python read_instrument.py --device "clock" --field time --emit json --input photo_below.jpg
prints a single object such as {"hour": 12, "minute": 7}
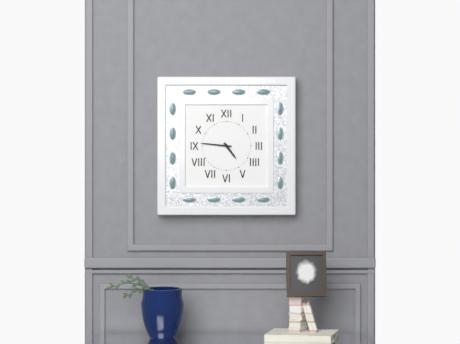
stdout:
{"hour": 4, "minute": 46}
